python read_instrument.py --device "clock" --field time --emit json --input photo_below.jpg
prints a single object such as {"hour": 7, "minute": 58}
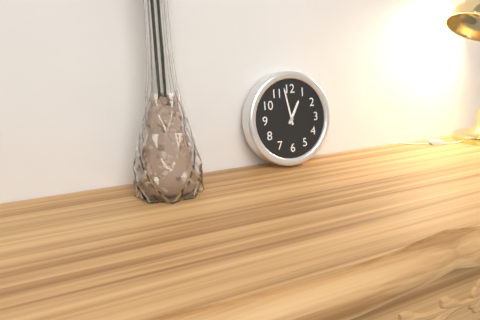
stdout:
{"hour": 12, "minute": 58}
